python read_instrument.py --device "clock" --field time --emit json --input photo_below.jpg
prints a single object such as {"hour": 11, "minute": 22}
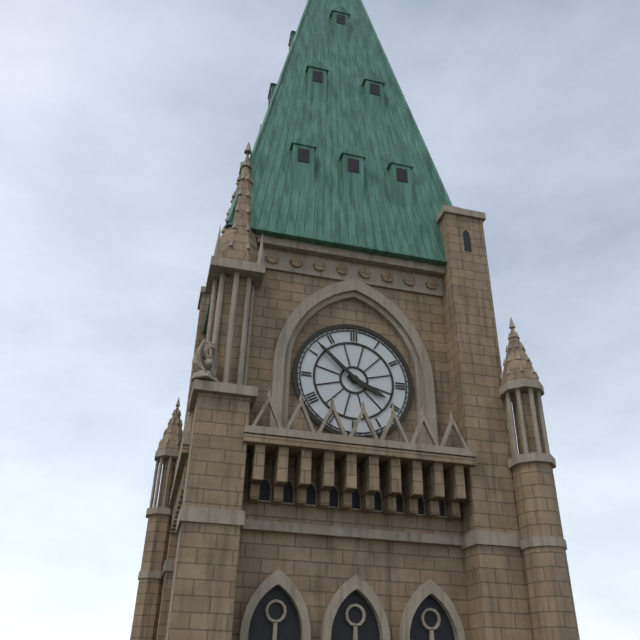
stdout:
{"hour": 3, "minute": 52}
